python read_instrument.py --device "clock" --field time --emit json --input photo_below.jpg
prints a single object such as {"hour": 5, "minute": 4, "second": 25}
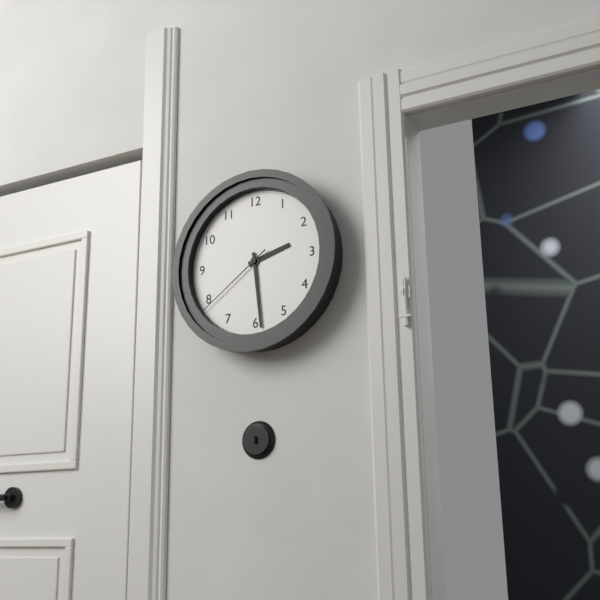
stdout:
{"hour": 2, "minute": 29, "second": 39}
